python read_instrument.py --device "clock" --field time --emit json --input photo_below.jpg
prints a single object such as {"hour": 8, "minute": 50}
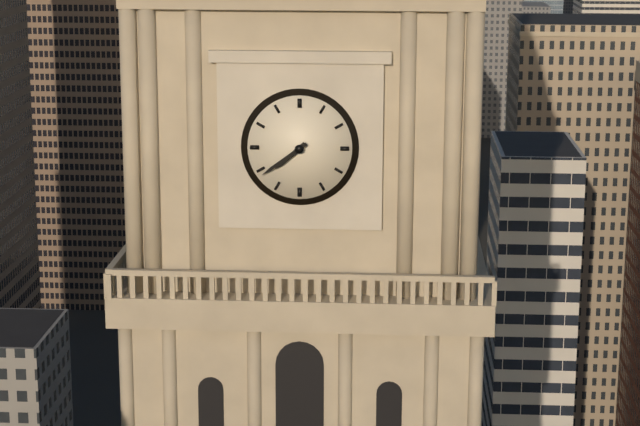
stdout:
{"hour": 7, "minute": 39}
